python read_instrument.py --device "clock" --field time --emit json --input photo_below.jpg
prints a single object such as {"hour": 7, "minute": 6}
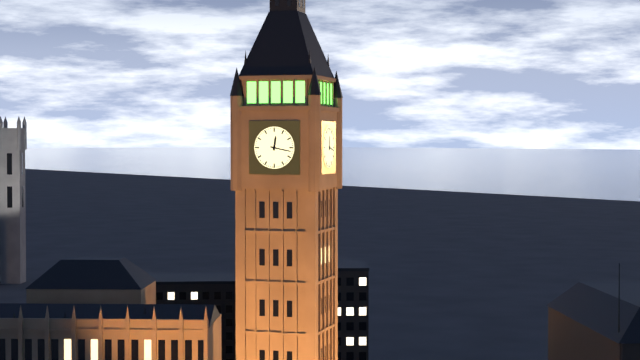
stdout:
{"hour": 12, "minute": 17}
